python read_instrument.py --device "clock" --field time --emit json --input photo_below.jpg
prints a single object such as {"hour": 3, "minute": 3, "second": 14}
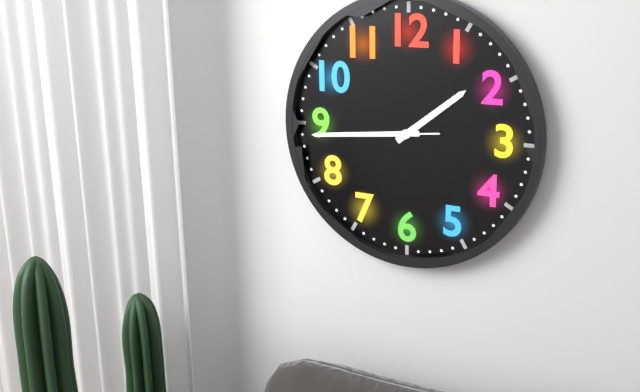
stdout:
{"hour": 1, "minute": 44, "second": 44}
